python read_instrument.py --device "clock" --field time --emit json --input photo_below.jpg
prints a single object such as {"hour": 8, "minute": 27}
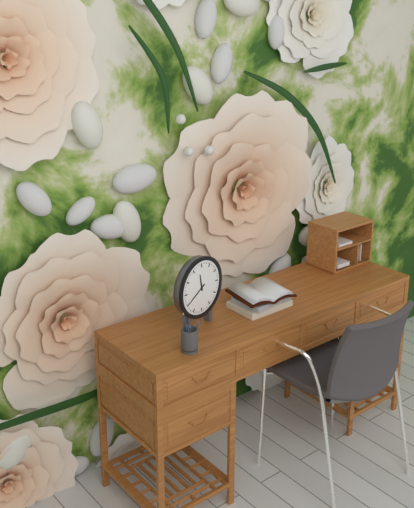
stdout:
{"hour": 11, "minute": 40}
